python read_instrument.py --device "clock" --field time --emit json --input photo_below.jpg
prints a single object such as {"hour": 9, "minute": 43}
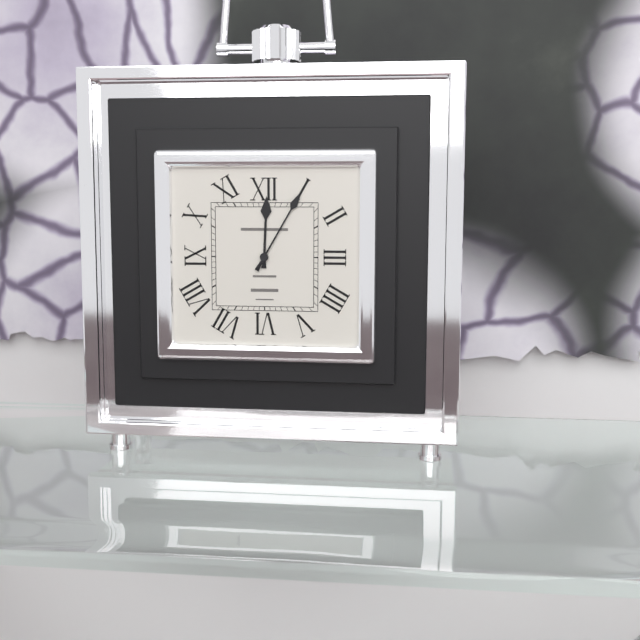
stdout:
{"hour": 12, "minute": 5}
